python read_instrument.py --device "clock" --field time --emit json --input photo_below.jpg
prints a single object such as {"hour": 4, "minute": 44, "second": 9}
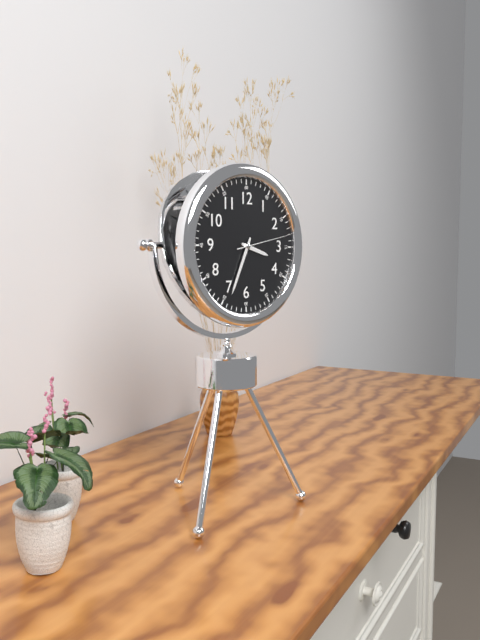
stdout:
{"hour": 3, "minute": 34, "second": 13}
